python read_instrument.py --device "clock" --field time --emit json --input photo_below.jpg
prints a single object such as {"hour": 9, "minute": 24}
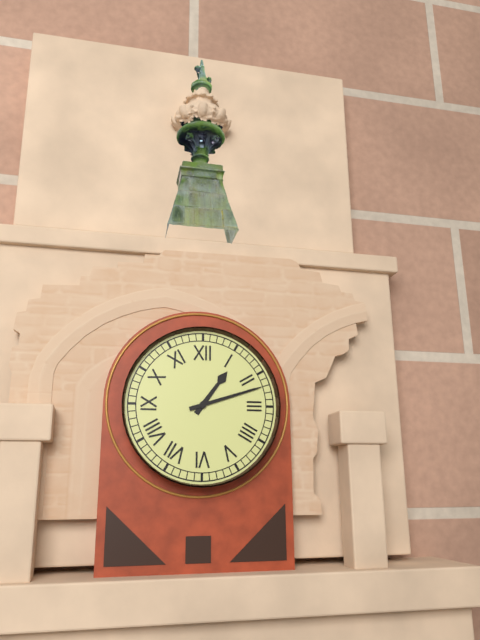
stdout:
{"hour": 1, "minute": 12}
